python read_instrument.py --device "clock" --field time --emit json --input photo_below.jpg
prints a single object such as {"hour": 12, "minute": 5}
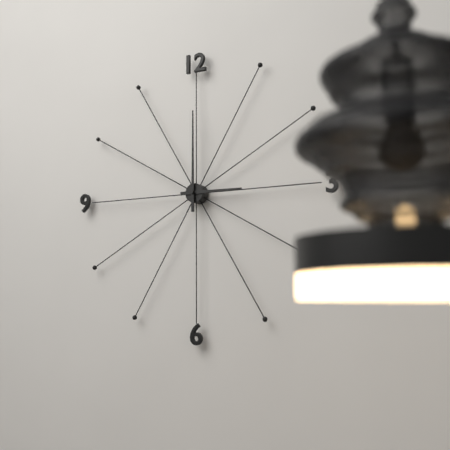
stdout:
{"hour": 3, "minute": 0}
